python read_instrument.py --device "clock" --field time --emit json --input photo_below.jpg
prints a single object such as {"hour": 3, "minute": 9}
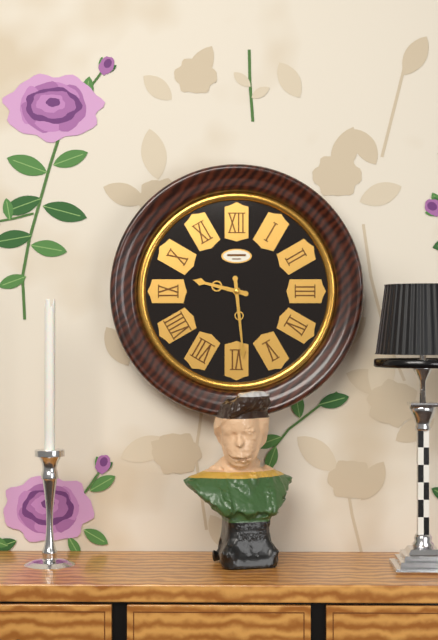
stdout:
{"hour": 9, "minute": 29}
